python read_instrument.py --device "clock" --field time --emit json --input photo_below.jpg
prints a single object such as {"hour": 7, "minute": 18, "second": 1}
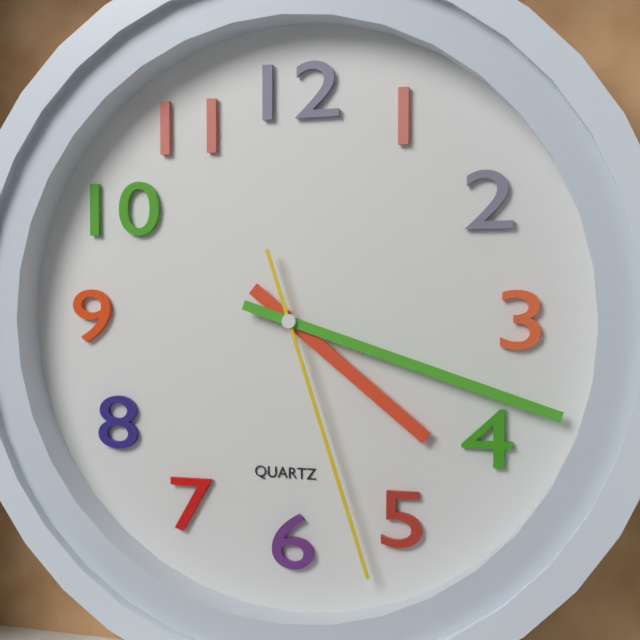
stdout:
{"hour": 4, "minute": 18, "second": 27}
